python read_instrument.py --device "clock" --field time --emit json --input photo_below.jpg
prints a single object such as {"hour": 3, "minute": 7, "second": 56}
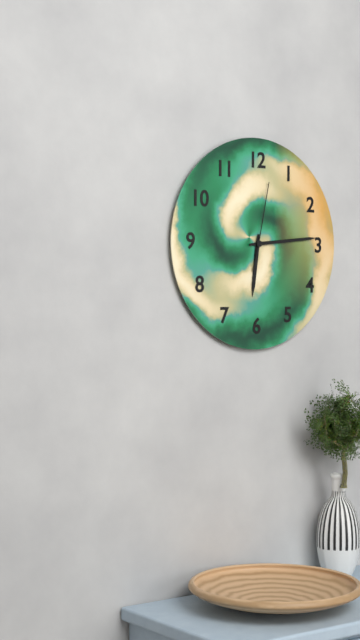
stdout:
{"hour": 6, "minute": 14, "second": 2}
